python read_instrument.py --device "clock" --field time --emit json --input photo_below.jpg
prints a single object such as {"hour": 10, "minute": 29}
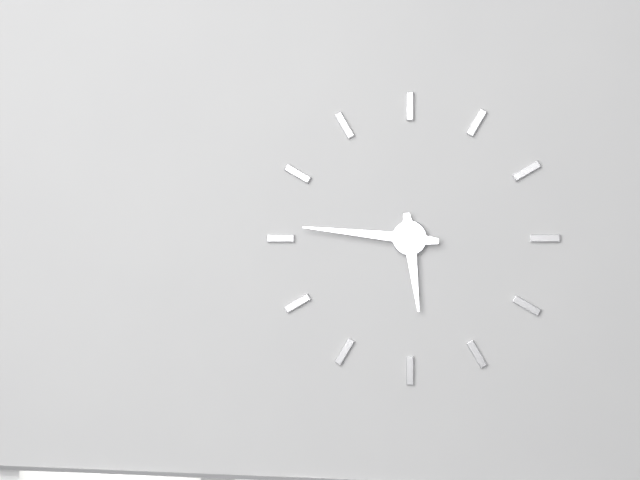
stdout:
{"hour": 5, "minute": 46}
